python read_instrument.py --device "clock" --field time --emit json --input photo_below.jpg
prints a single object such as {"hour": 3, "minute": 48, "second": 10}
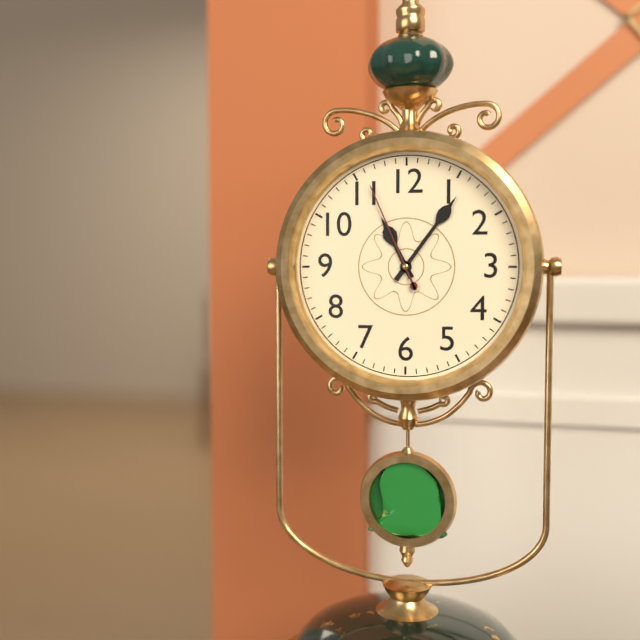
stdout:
{"hour": 11, "minute": 6, "second": 56}
